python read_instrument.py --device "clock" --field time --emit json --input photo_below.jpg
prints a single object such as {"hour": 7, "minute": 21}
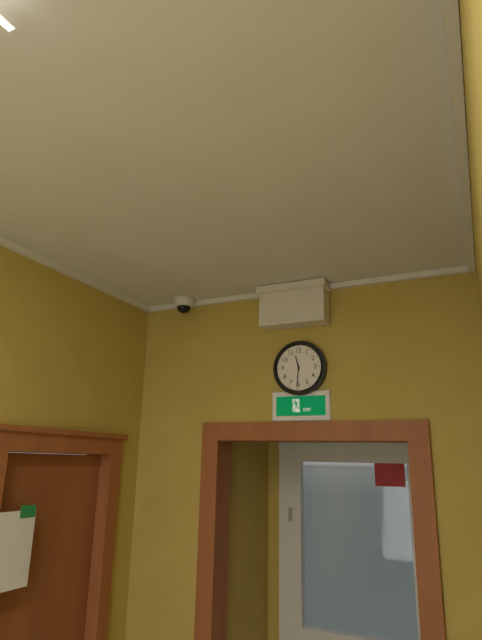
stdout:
{"hour": 11, "minute": 31}
